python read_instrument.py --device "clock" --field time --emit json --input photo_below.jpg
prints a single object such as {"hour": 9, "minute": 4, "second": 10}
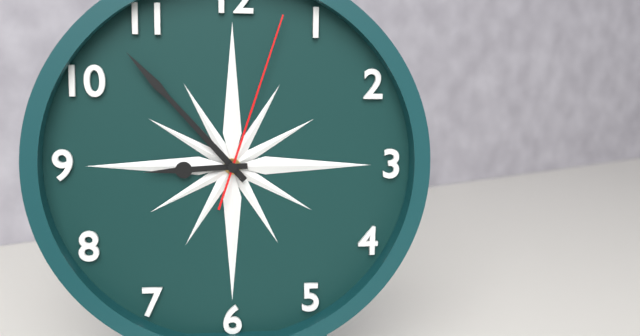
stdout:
{"hour": 8, "minute": 53, "second": 3}
